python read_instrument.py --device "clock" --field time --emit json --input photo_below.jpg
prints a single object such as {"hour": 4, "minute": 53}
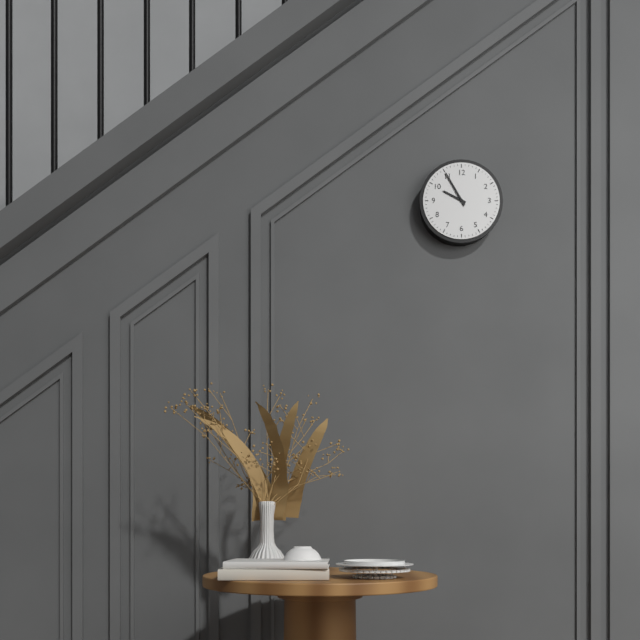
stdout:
{"hour": 9, "minute": 55}
